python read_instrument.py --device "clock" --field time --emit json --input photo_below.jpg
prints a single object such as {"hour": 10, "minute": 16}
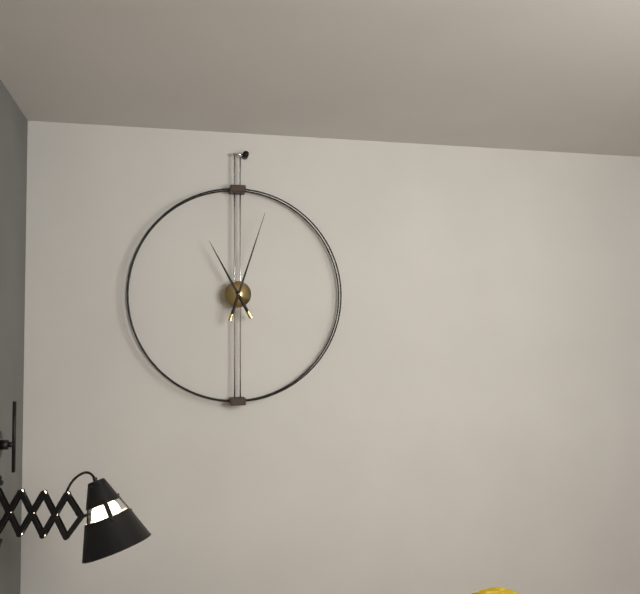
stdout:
{"hour": 11, "minute": 3}
